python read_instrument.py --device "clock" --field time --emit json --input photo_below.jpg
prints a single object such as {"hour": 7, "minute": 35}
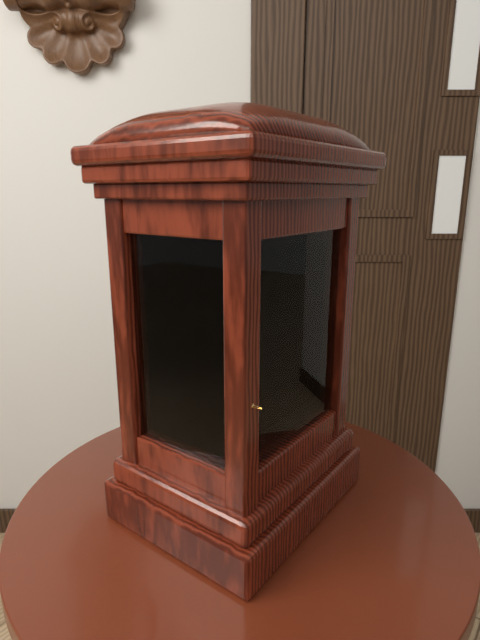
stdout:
{"hour": 11, "minute": 24}
